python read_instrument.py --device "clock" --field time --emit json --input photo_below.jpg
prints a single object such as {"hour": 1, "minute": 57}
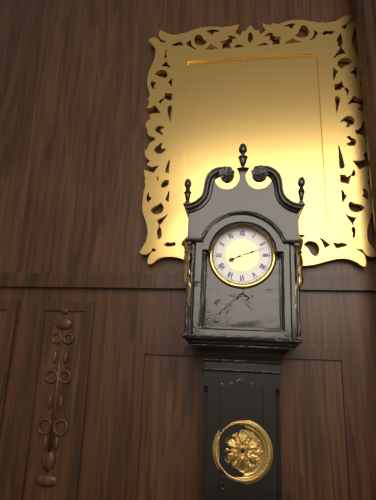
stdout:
{"hour": 8, "minute": 12}
